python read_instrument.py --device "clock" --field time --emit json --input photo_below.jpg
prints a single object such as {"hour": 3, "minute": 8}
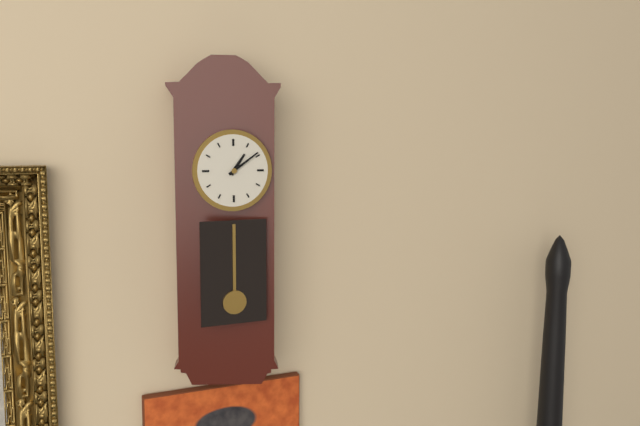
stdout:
{"hour": 1, "minute": 9}
